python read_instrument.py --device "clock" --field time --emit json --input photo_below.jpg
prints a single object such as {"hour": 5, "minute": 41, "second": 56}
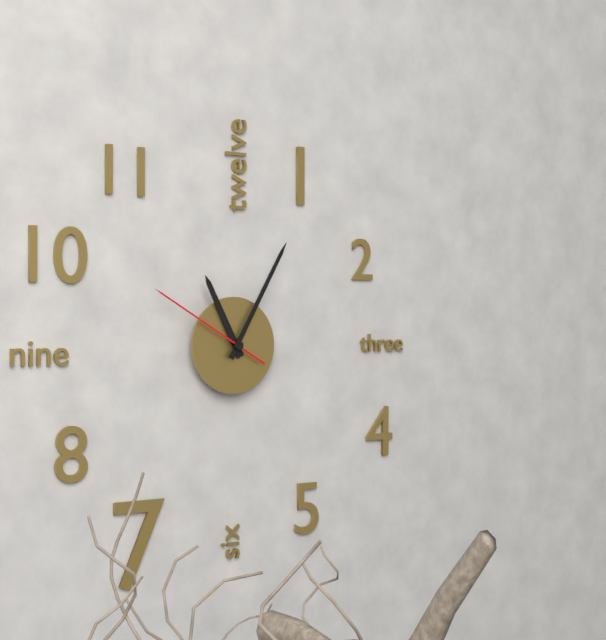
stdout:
{"hour": 11, "minute": 5, "second": 50}
